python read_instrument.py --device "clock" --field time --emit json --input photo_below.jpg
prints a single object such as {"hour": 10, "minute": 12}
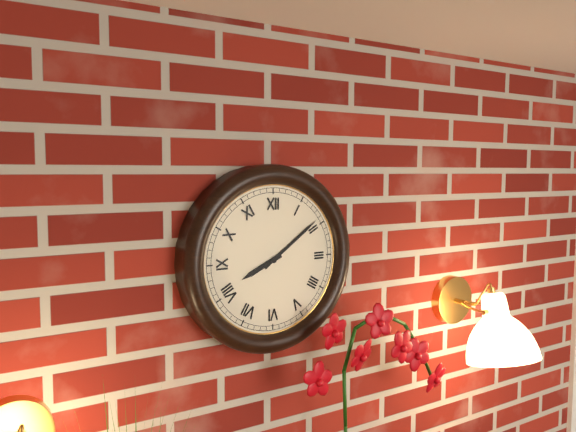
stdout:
{"hour": 8, "minute": 9}
